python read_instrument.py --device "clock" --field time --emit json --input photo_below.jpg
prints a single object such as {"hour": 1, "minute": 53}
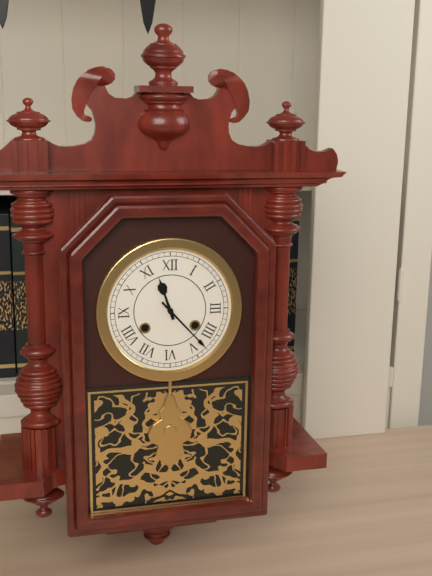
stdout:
{"hour": 11, "minute": 23}
